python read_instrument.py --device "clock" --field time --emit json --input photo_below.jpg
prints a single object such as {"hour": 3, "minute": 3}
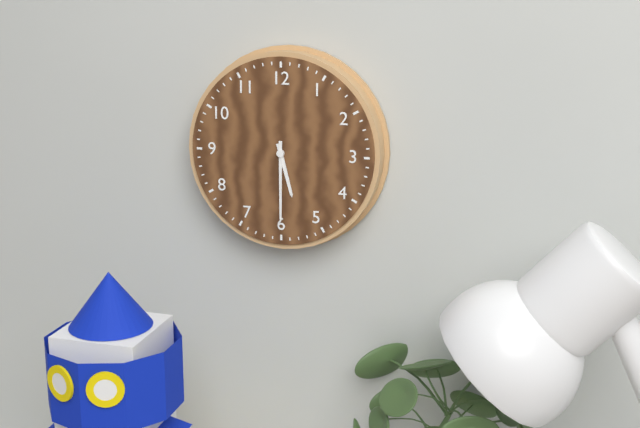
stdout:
{"hour": 5, "minute": 30}
